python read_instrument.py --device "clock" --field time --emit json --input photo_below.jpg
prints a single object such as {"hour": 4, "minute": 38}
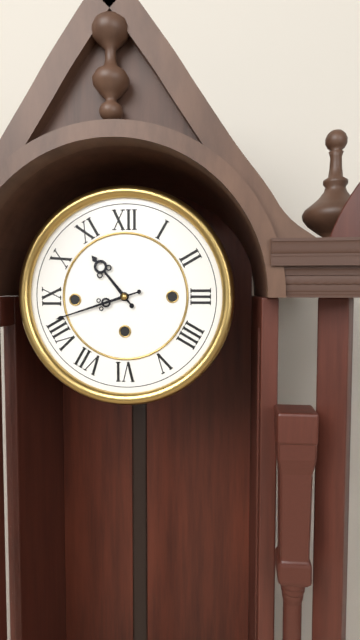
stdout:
{"hour": 10, "minute": 42}
